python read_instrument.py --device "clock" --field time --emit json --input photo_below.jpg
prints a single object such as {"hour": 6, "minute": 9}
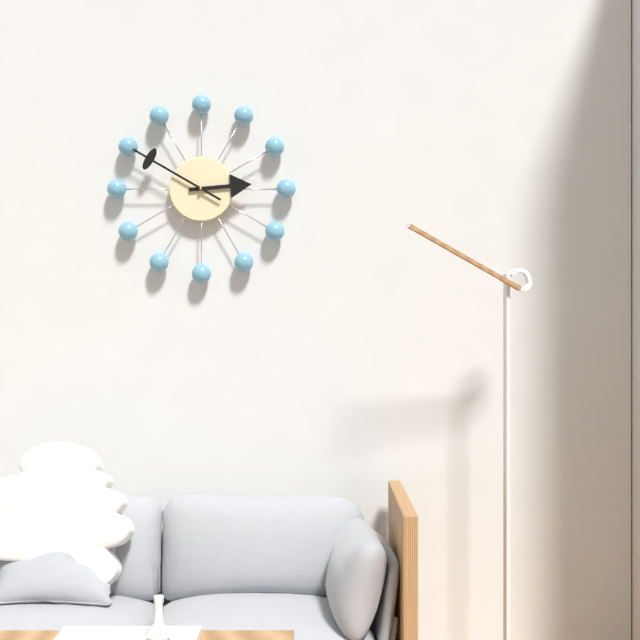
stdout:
{"hour": 2, "minute": 50}
